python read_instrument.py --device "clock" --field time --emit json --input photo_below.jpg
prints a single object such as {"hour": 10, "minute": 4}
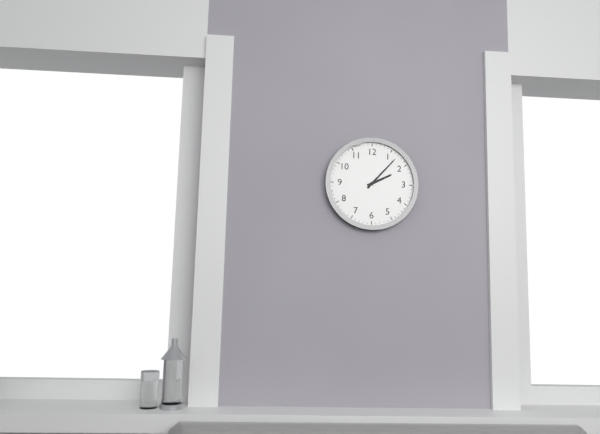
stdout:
{"hour": 2, "minute": 7}
